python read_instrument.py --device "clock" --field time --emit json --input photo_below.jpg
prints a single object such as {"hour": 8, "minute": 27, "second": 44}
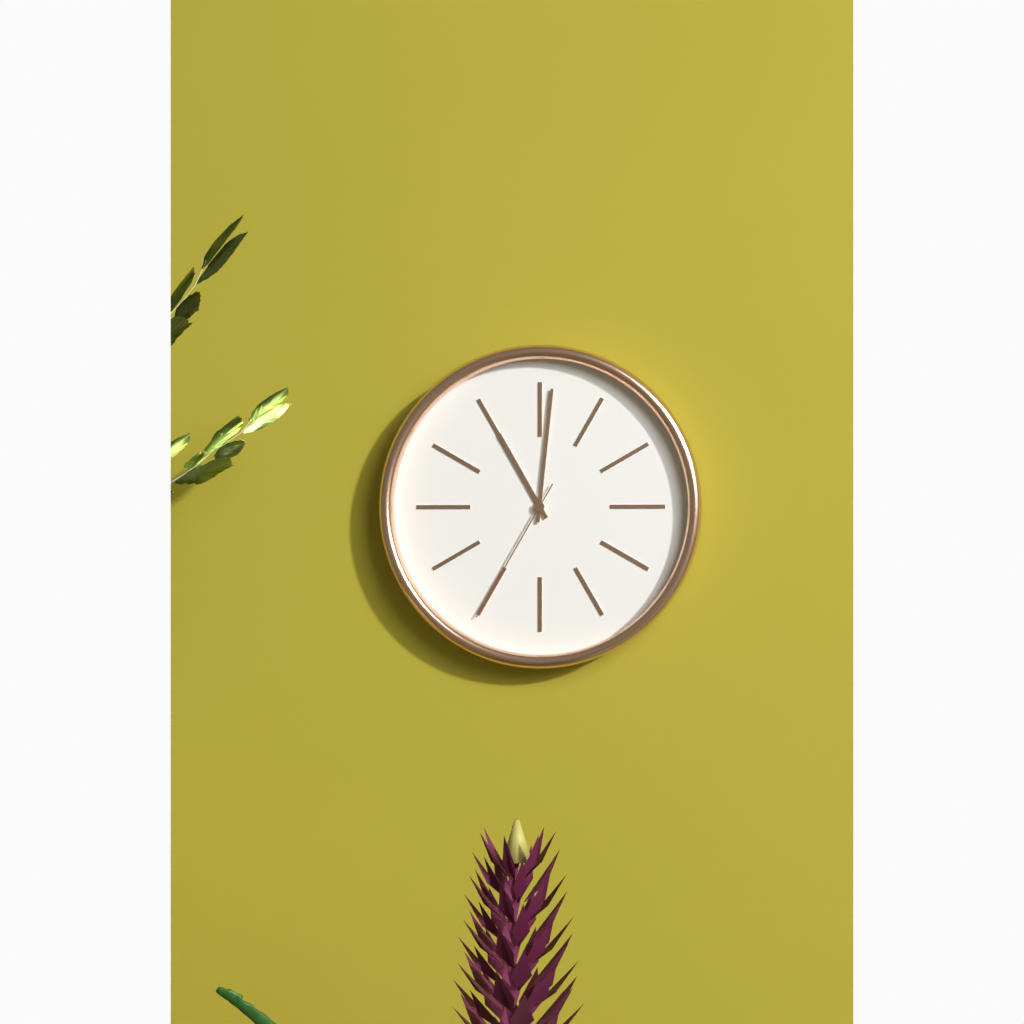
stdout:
{"hour": 11, "minute": 1, "second": 35}
